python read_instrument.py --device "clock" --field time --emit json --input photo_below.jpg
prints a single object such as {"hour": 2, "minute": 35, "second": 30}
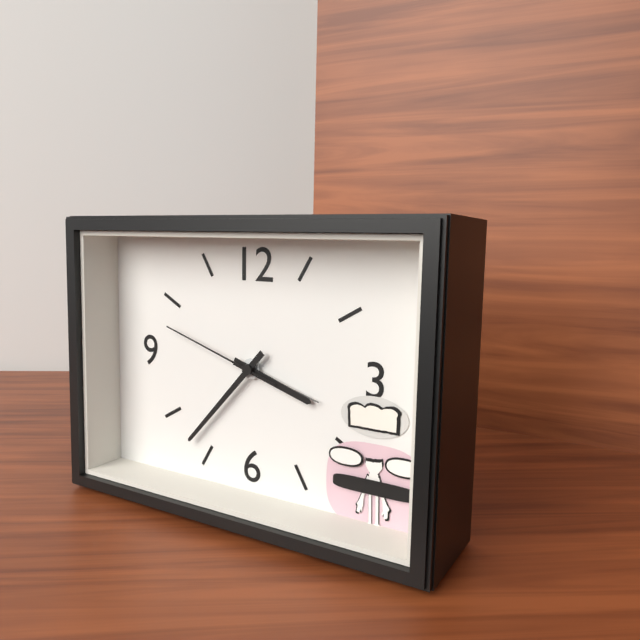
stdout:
{"hour": 3, "minute": 37, "second": 48}
